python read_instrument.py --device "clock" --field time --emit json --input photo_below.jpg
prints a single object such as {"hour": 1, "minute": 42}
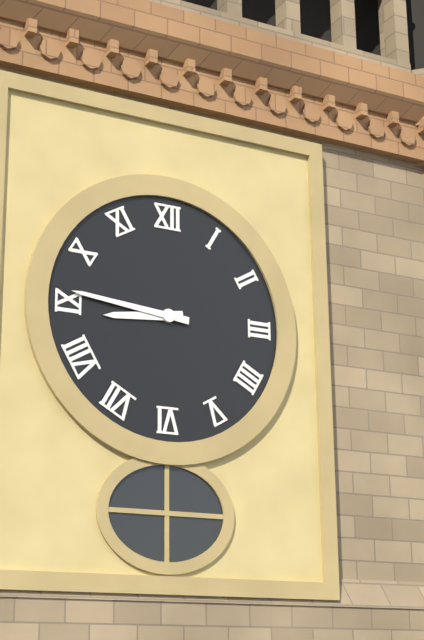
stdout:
{"hour": 8, "minute": 46}
